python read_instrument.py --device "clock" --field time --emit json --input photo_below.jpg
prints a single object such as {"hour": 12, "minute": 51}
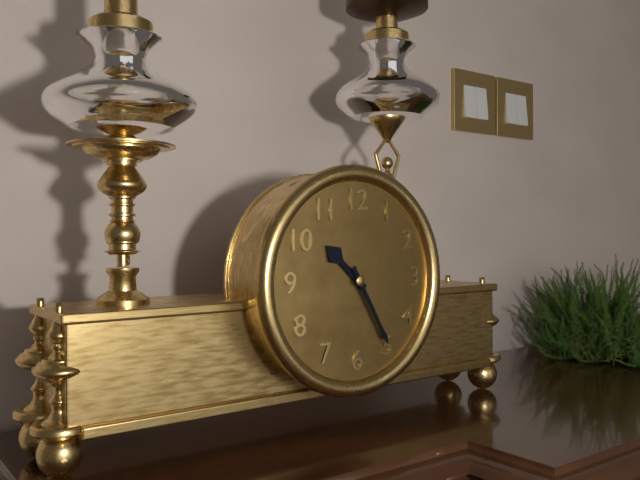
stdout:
{"hour": 10, "minute": 25}
